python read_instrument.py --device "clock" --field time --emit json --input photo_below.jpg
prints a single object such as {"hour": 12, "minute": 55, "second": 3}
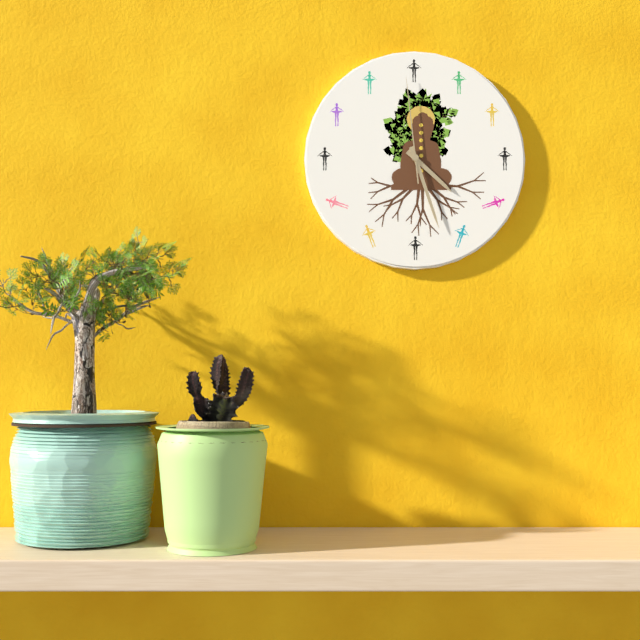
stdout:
{"hour": 4, "minute": 27, "second": 59}
